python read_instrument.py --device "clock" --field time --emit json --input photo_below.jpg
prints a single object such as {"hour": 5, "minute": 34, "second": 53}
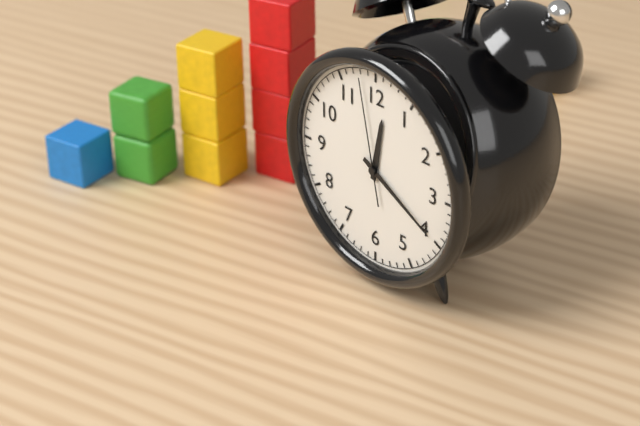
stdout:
{"hour": 12, "minute": 20, "second": 58}
